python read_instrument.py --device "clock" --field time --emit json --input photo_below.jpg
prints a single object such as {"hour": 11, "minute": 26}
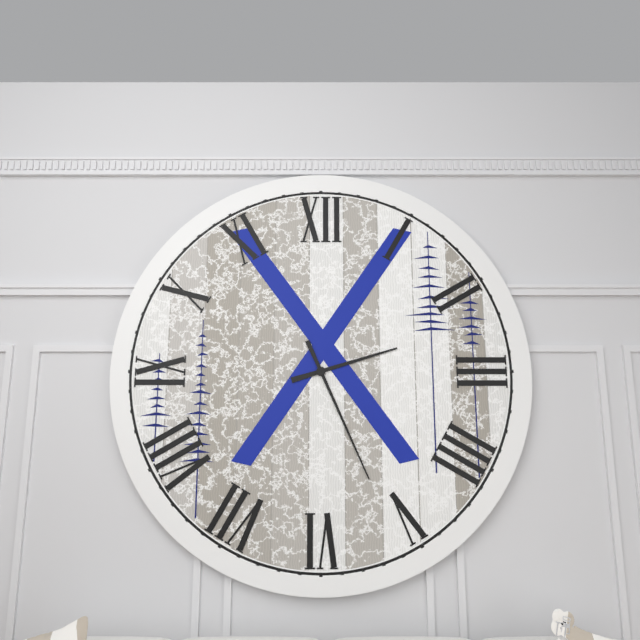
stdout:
{"hour": 2, "minute": 26}
